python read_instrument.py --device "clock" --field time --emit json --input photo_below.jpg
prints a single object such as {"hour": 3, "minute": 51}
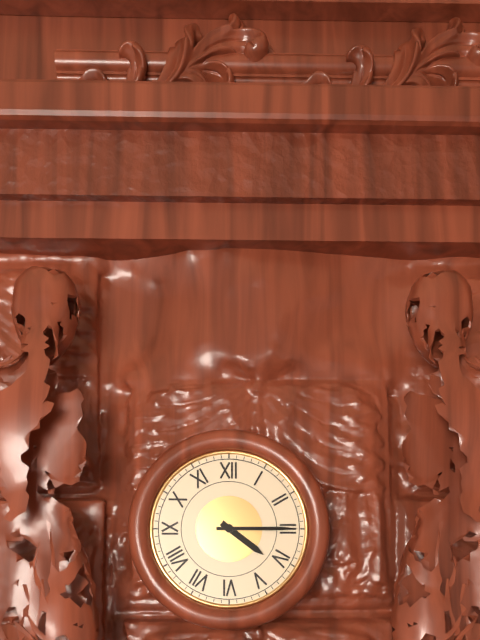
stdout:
{"hour": 4, "minute": 15}
